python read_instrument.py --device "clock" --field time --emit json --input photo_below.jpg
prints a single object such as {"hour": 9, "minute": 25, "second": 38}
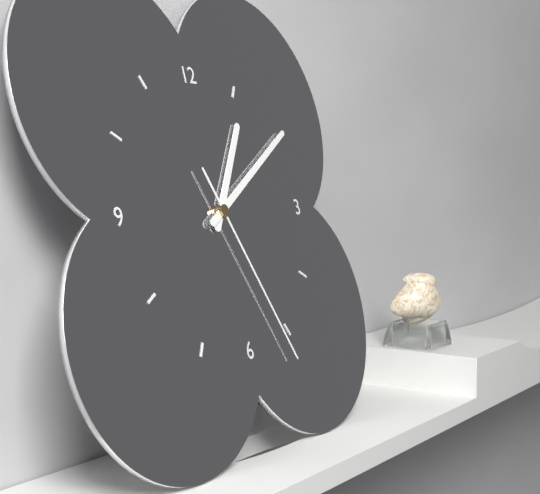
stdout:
{"hour": 1, "minute": 10, "second": 26}
